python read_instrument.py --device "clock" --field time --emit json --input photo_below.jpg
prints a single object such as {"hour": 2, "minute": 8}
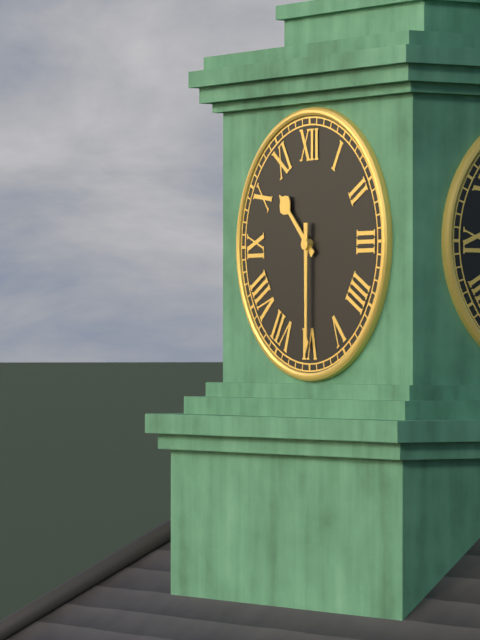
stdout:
{"hour": 10, "minute": 30}
